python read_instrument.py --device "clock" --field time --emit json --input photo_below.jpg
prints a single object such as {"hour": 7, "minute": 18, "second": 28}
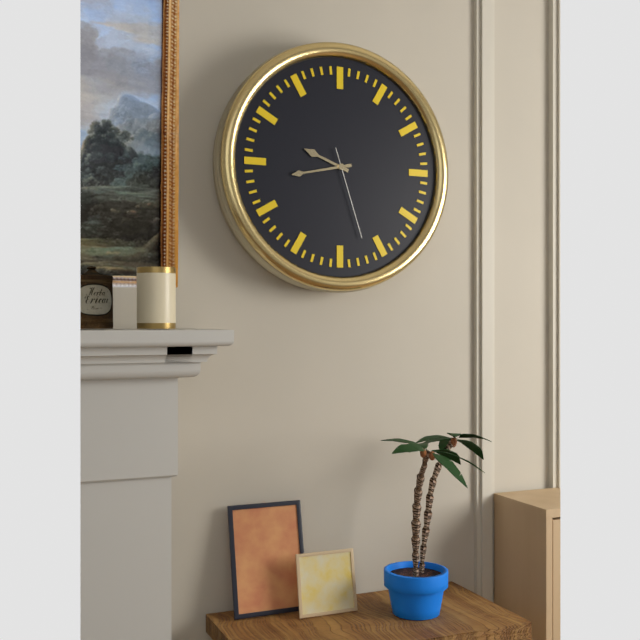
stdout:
{"hour": 9, "minute": 43, "second": 27}
